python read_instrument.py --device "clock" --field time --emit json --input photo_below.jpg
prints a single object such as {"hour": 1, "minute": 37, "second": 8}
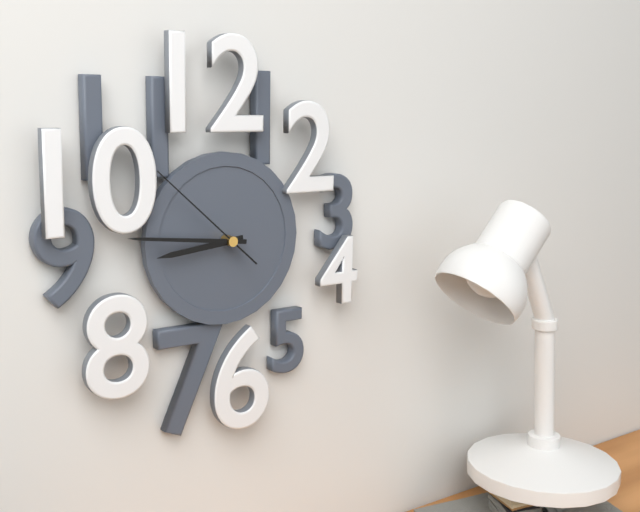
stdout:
{"hour": 8, "minute": 46, "second": 52}
